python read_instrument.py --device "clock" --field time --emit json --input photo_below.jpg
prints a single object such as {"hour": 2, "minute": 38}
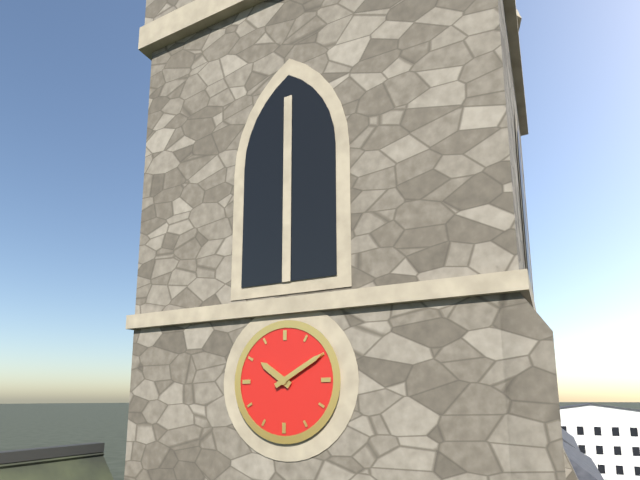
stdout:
{"hour": 10, "minute": 10}
